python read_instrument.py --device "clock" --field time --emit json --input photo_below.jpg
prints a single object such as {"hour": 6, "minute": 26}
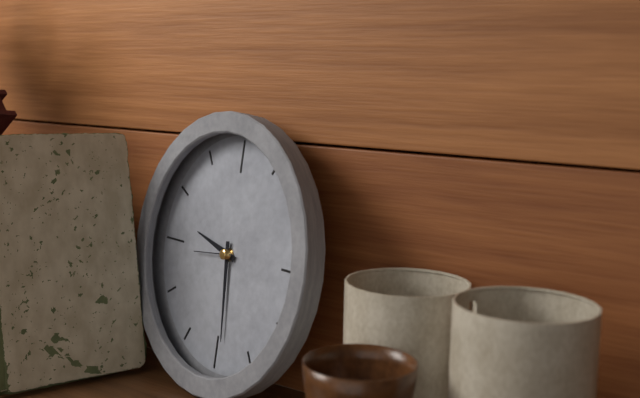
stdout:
{"hour": 9, "minute": 29}
